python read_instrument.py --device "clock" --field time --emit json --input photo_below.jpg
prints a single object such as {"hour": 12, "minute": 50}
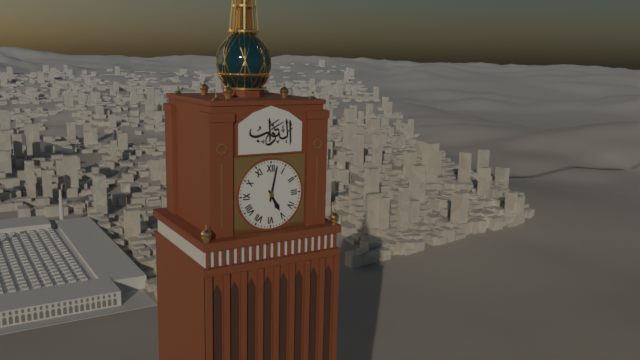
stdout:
{"hour": 5, "minute": 2}
